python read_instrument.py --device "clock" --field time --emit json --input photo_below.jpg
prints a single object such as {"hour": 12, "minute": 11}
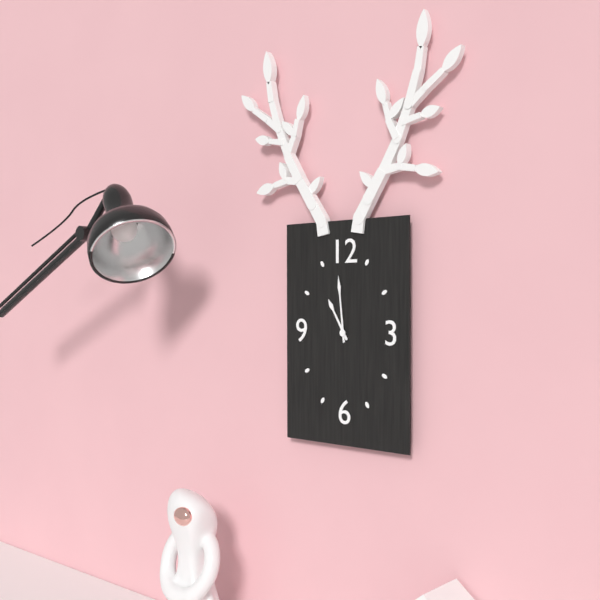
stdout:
{"hour": 10, "minute": 59}
